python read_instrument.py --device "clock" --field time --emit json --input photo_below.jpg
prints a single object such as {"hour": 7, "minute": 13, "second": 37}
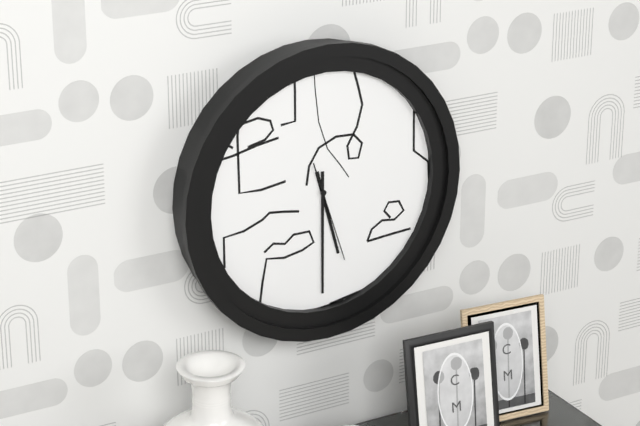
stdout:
{"hour": 5, "minute": 30, "second": 27}
